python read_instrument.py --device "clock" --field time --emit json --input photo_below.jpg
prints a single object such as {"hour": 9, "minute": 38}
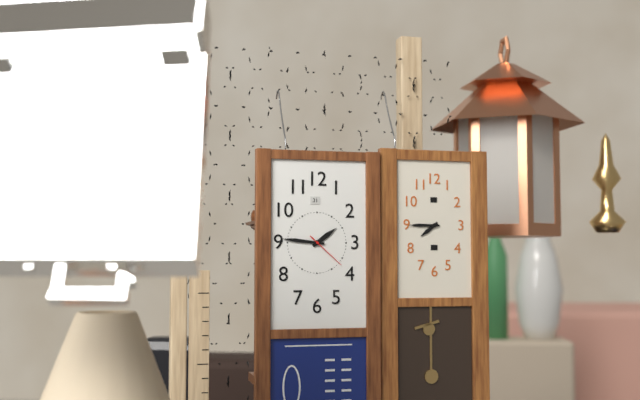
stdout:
{"hour": 1, "minute": 46}
